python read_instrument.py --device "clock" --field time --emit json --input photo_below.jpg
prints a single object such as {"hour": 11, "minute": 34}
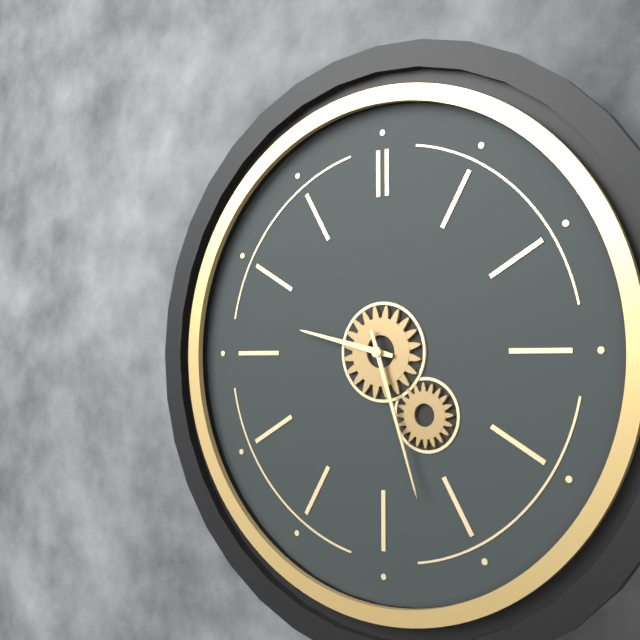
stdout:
{"hour": 9, "minute": 27}
